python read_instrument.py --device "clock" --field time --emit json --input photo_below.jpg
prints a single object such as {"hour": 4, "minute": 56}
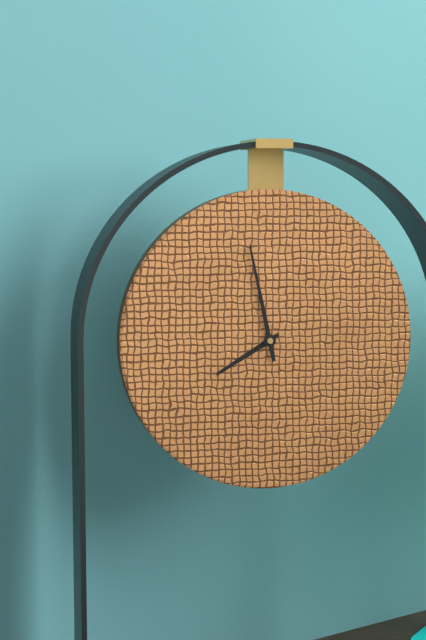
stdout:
{"hour": 7, "minute": 58}
